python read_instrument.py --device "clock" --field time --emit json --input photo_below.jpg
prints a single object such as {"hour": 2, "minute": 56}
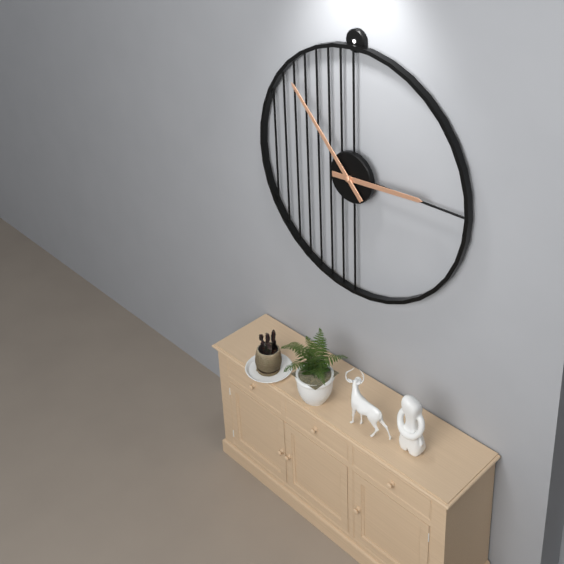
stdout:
{"hour": 2, "minute": 53}
